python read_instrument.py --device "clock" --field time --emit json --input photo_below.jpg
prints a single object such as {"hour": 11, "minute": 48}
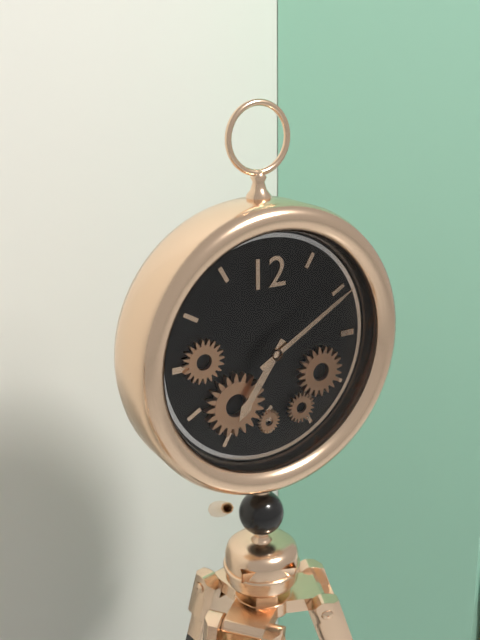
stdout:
{"hour": 7, "minute": 10}
